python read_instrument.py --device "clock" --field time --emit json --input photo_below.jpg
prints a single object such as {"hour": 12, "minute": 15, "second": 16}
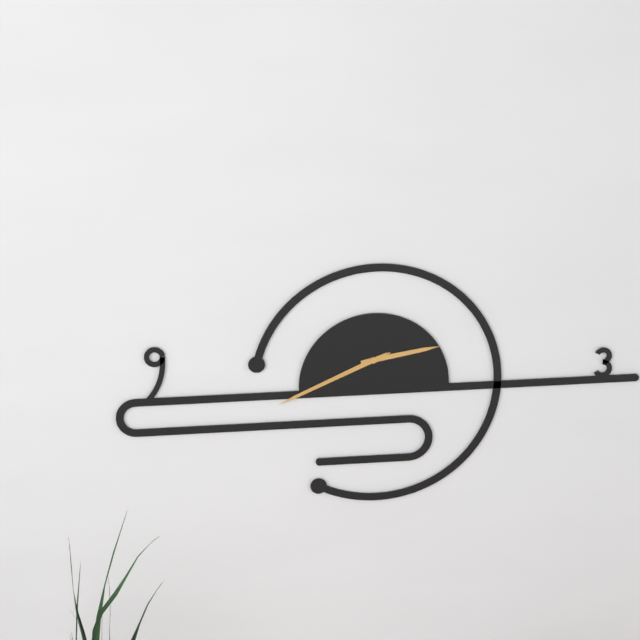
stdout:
{"hour": 2, "minute": 41, "second": 41}
